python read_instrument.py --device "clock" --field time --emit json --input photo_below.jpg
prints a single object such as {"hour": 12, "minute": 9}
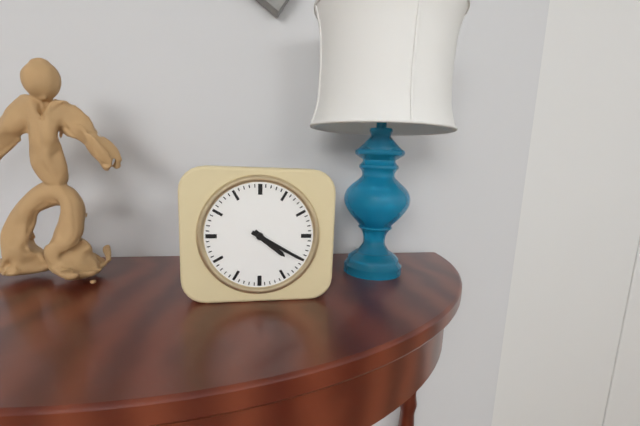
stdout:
{"hour": 4, "minute": 20}
